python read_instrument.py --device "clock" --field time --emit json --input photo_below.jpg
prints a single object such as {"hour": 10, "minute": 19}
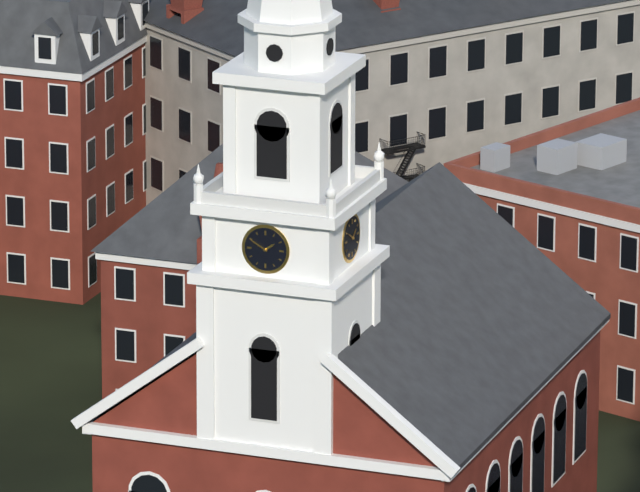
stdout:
{"hour": 1, "minute": 50}
